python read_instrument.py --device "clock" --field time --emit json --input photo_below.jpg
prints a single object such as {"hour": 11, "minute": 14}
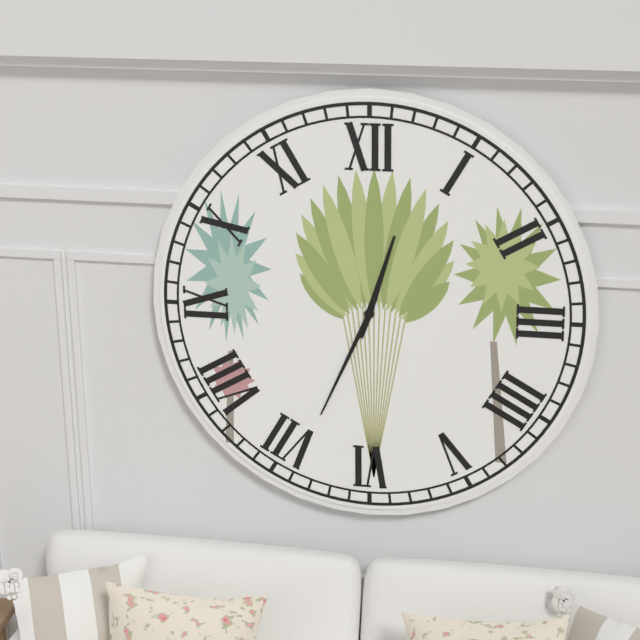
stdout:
{"hour": 12, "minute": 34}
